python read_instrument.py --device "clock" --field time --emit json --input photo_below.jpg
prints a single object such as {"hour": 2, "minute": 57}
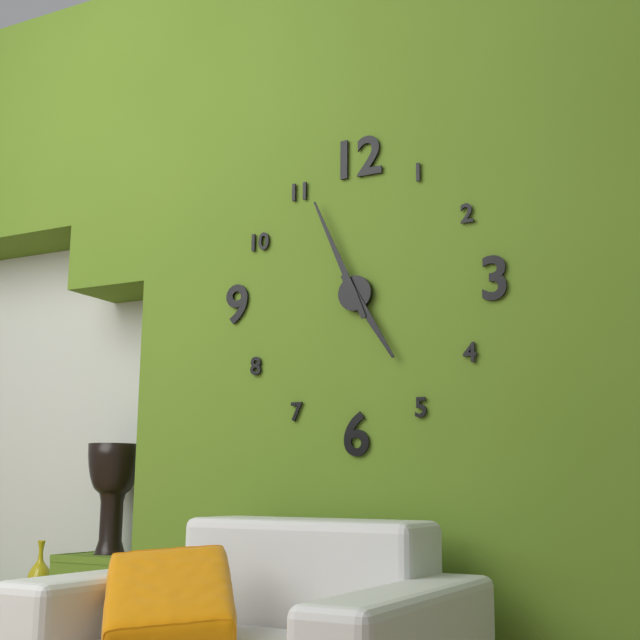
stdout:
{"hour": 4, "minute": 56}
